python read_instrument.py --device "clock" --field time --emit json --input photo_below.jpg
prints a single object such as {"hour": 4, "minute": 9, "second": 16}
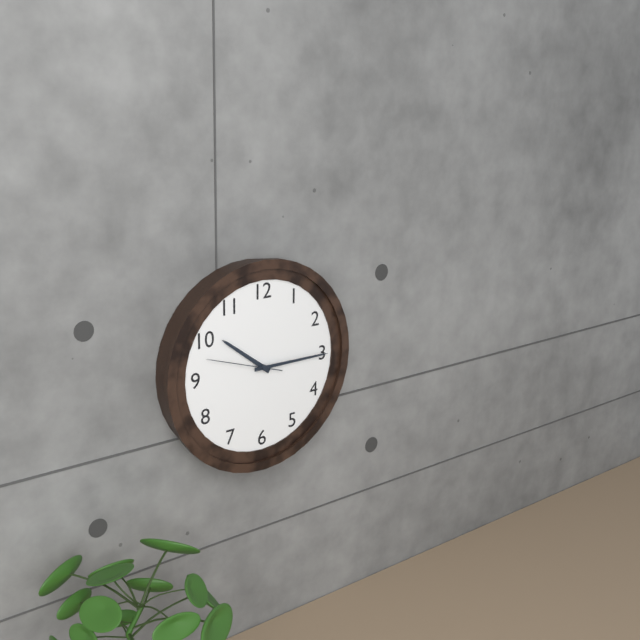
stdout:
{"hour": 10, "minute": 15, "second": 48}
